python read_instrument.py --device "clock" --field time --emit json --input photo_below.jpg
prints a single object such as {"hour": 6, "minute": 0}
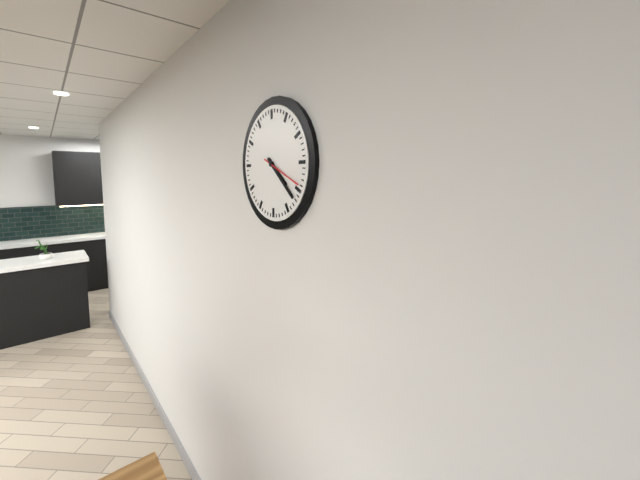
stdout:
{"hour": 4, "minute": 22}
